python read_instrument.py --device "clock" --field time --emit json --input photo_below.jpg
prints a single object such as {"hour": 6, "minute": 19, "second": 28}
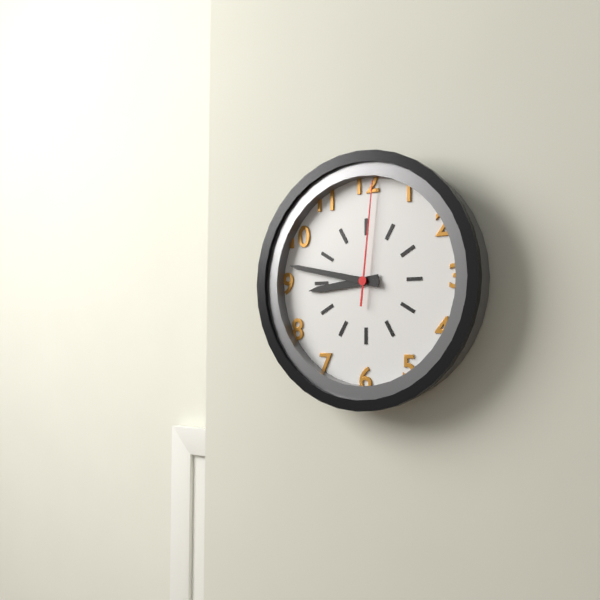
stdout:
{"hour": 8, "minute": 47, "second": 1}
